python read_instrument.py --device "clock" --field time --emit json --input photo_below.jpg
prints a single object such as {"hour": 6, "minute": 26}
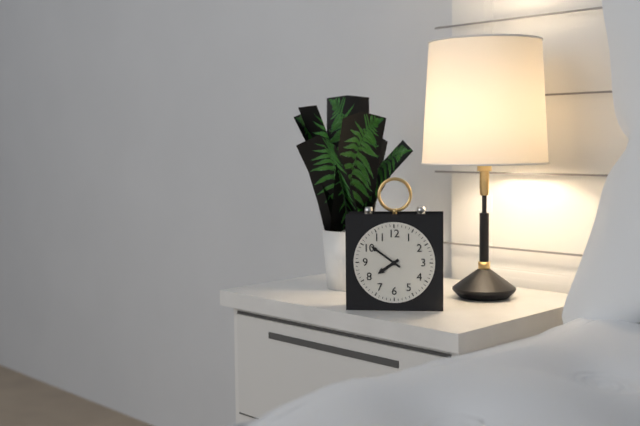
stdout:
{"hour": 7, "minute": 51}
